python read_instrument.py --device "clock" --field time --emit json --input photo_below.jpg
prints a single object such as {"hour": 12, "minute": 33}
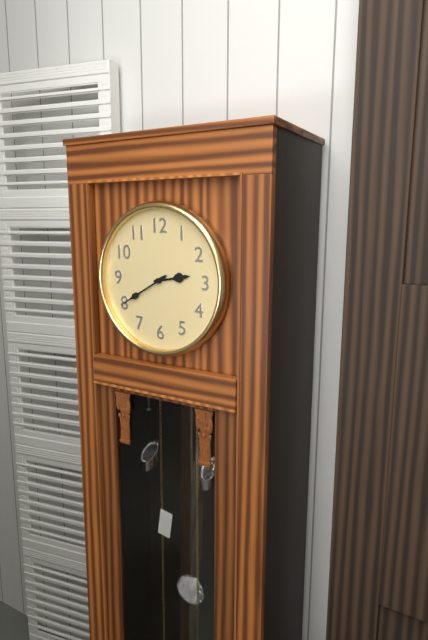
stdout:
{"hour": 2, "minute": 40}
